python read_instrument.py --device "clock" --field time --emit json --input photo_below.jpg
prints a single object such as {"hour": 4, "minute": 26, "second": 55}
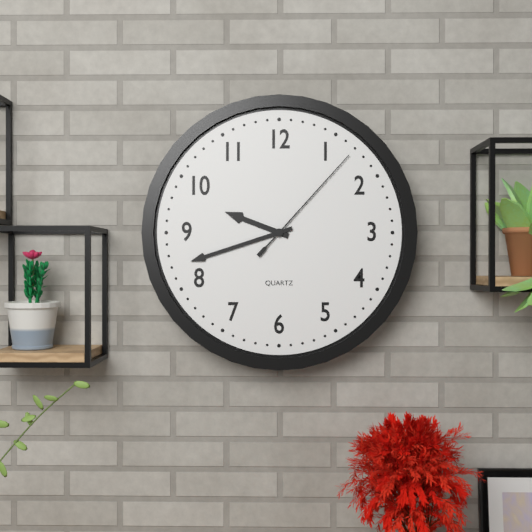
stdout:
{"hour": 9, "minute": 42, "second": 7}
